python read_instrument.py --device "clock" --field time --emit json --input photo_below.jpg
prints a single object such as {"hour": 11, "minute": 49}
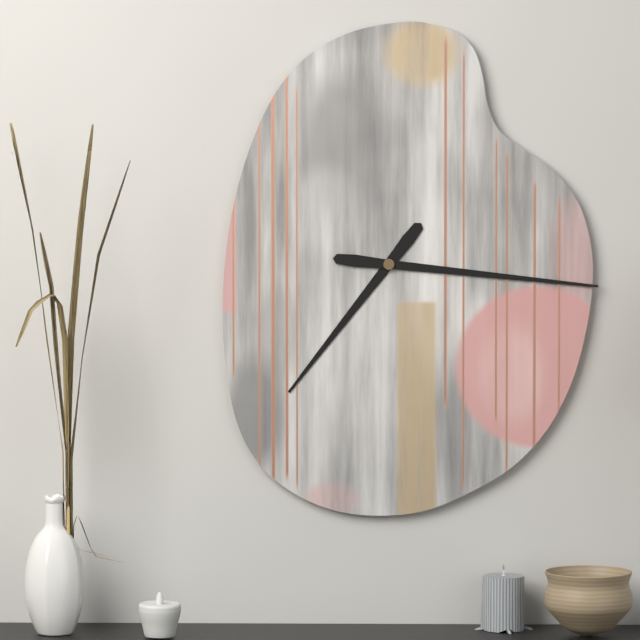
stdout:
{"hour": 7, "minute": 16}
